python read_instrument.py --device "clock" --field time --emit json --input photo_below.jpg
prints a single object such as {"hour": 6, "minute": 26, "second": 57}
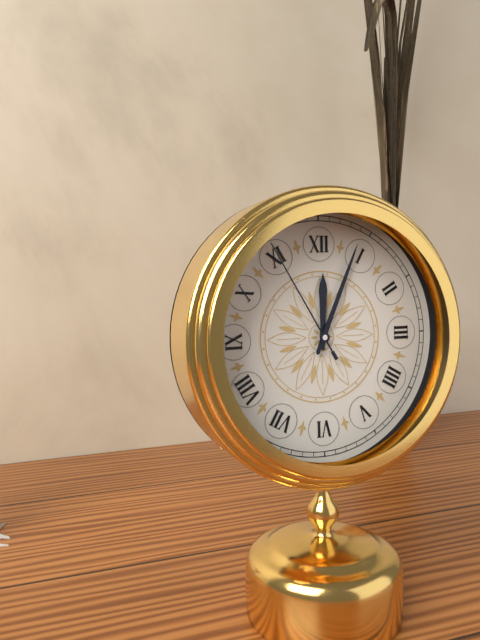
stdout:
{"hour": 12, "minute": 4, "second": 55}
